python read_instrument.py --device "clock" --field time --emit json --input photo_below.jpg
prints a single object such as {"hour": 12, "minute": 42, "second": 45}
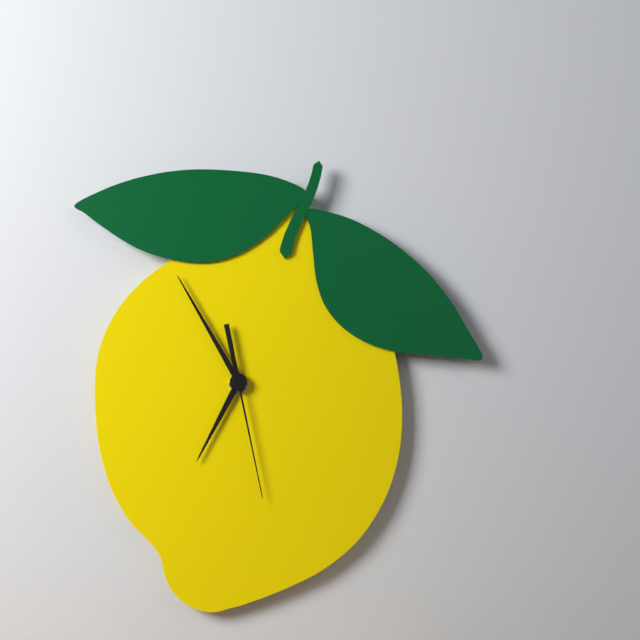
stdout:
{"hour": 6, "minute": 55, "second": 28}
